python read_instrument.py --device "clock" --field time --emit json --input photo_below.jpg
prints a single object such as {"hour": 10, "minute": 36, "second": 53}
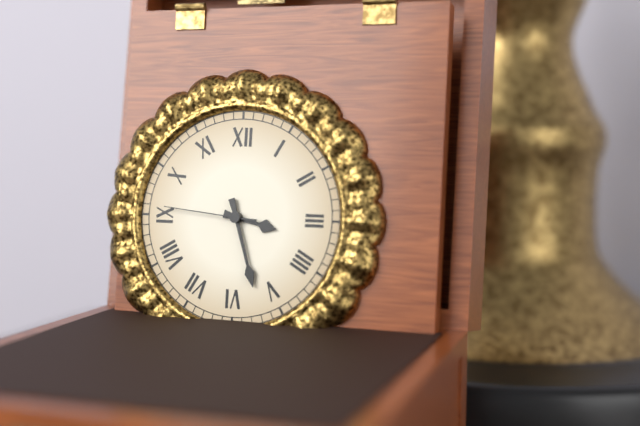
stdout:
{"hour": 3, "minute": 27, "second": 46}
